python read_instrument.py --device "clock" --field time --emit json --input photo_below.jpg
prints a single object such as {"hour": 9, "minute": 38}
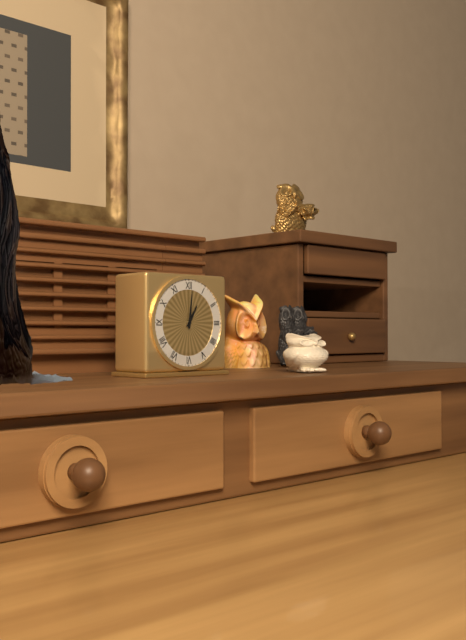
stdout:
{"hour": 1, "minute": 1}
